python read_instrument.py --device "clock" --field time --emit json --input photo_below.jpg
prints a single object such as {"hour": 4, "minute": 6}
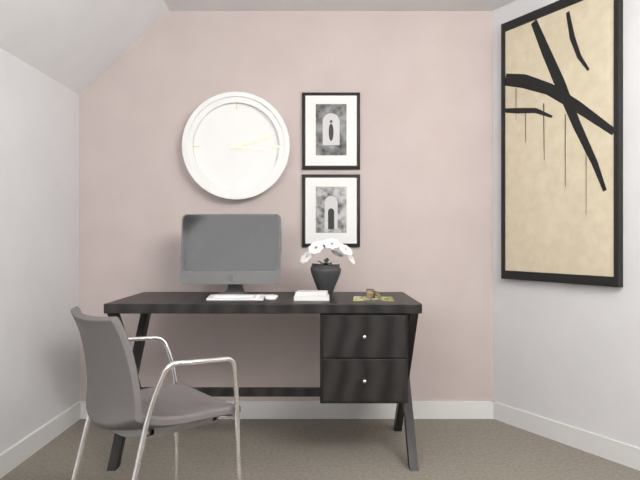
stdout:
{"hour": 3, "minute": 12}
